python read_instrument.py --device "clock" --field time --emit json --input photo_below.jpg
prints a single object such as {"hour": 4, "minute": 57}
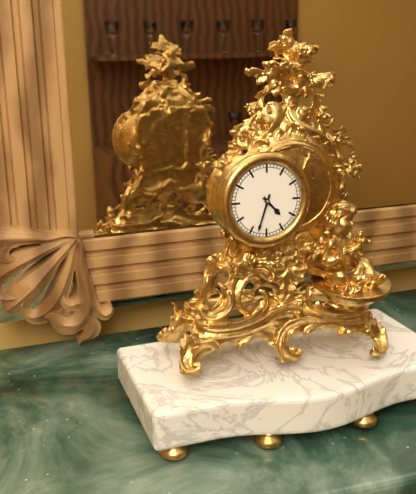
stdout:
{"hour": 4, "minute": 33}
